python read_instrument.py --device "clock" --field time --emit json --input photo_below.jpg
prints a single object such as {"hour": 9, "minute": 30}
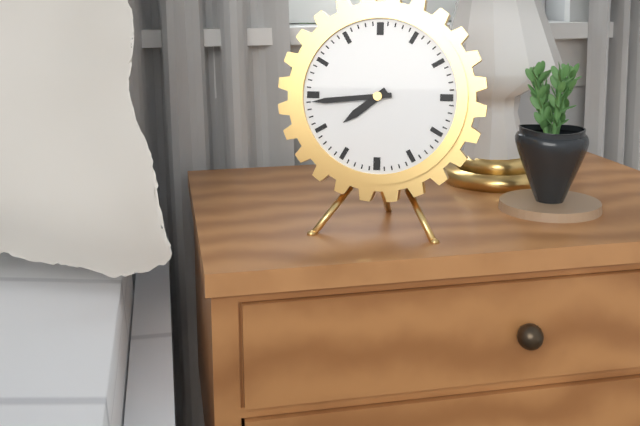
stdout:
{"hour": 7, "minute": 44}
